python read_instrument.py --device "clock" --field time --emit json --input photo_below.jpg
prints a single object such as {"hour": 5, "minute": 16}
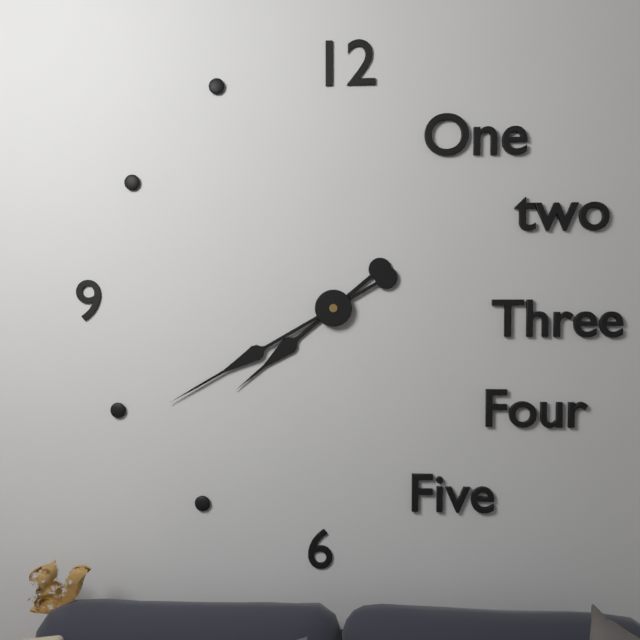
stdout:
{"hour": 7, "minute": 40}
